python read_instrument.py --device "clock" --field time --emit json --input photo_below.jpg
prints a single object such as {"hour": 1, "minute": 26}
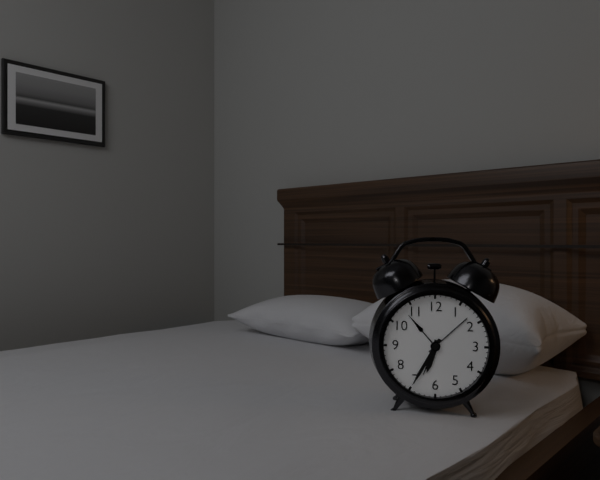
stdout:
{"hour": 6, "minute": 35}
